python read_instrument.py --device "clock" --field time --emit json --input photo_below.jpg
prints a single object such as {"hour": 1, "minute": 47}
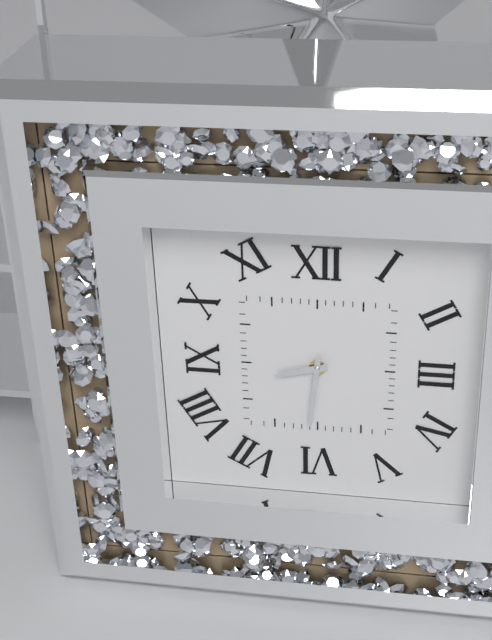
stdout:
{"hour": 8, "minute": 31}
